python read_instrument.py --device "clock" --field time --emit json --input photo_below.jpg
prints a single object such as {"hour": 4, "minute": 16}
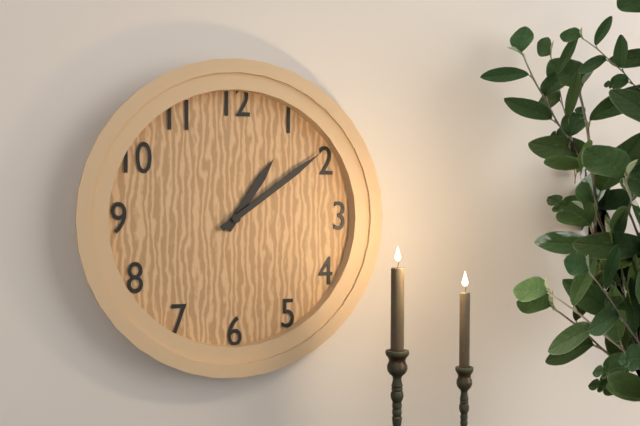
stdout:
{"hour": 1, "minute": 9}
